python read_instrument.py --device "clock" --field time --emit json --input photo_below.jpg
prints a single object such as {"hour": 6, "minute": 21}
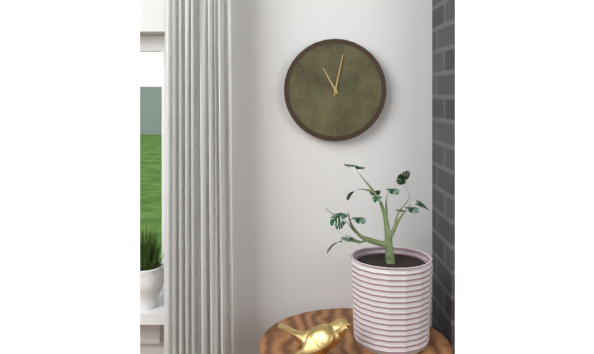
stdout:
{"hour": 11, "minute": 2}
